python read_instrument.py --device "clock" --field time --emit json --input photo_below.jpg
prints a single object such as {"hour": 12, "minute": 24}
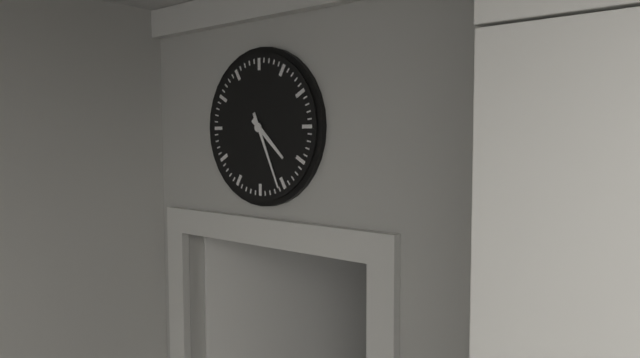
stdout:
{"hour": 4, "minute": 26}
